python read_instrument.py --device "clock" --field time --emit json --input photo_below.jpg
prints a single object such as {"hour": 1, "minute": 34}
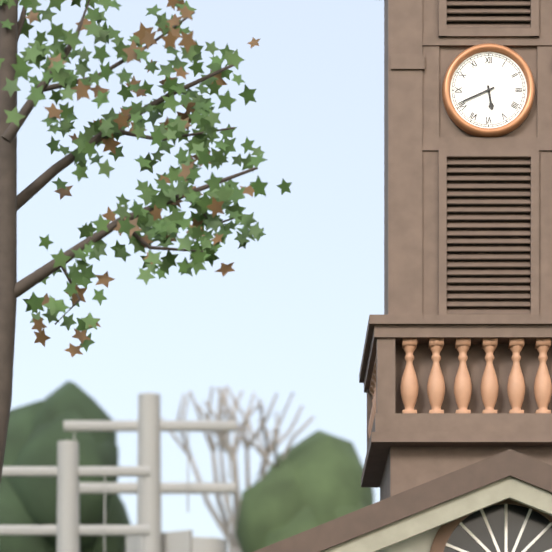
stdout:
{"hour": 5, "minute": 41}
